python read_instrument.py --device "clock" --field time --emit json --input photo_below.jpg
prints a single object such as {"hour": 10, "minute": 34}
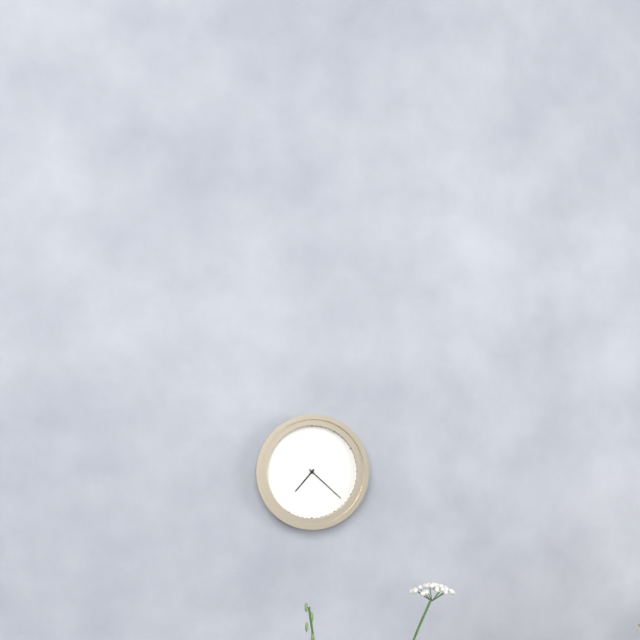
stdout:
{"hour": 7, "minute": 22}
